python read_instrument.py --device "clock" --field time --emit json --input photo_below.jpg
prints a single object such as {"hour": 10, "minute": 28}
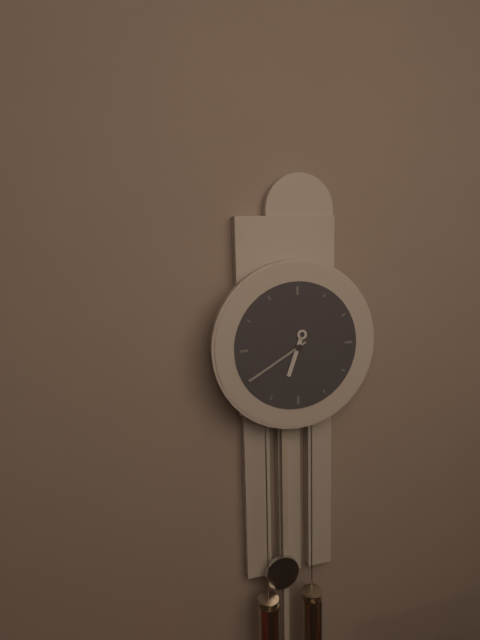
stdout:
{"hour": 6, "minute": 40}
